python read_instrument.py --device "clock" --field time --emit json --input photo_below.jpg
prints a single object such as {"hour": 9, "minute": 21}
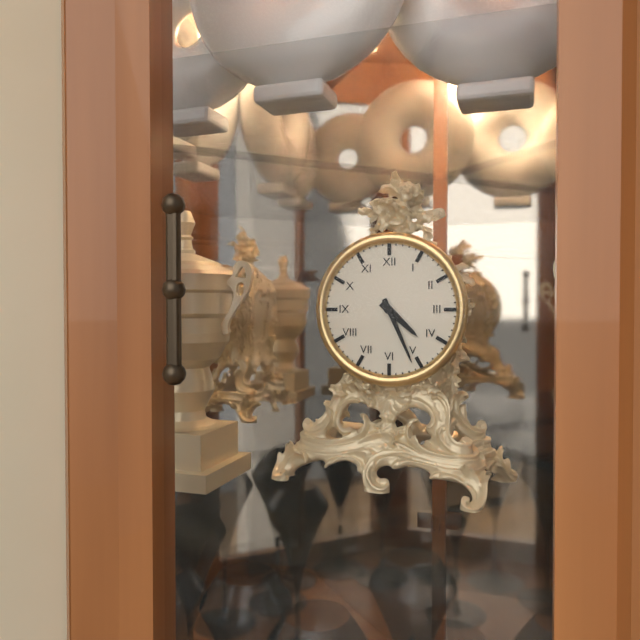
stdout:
{"hour": 4, "minute": 26}
